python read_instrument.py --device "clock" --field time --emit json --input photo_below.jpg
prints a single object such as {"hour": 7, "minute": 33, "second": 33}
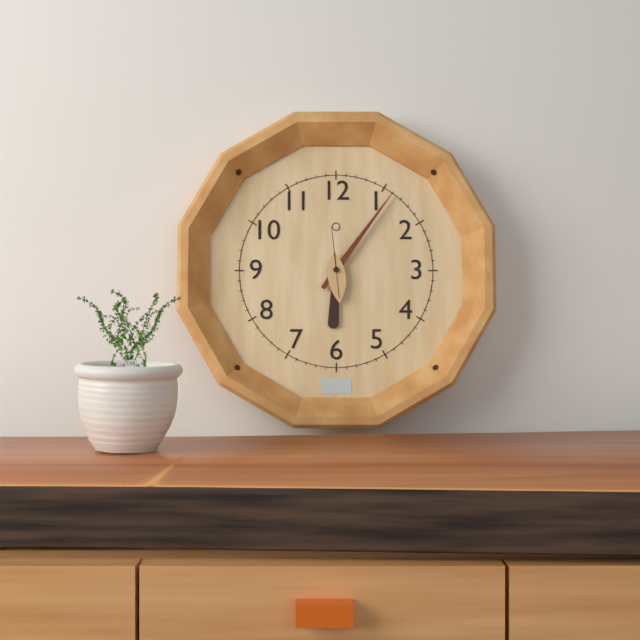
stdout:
{"hour": 6, "minute": 6, "second": 59}
